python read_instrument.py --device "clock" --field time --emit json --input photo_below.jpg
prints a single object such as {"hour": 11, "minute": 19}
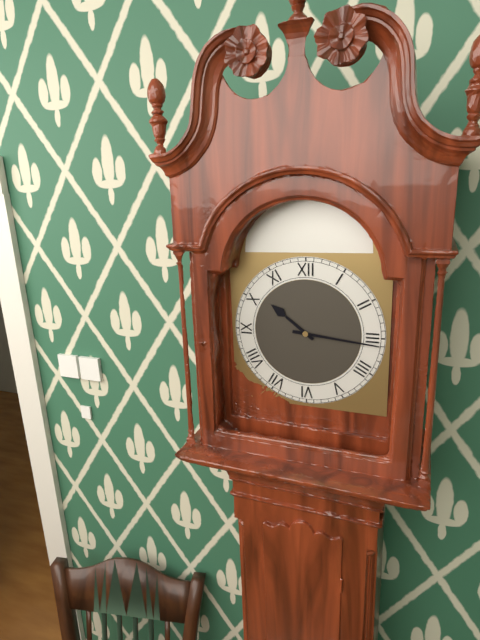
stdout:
{"hour": 10, "minute": 16}
